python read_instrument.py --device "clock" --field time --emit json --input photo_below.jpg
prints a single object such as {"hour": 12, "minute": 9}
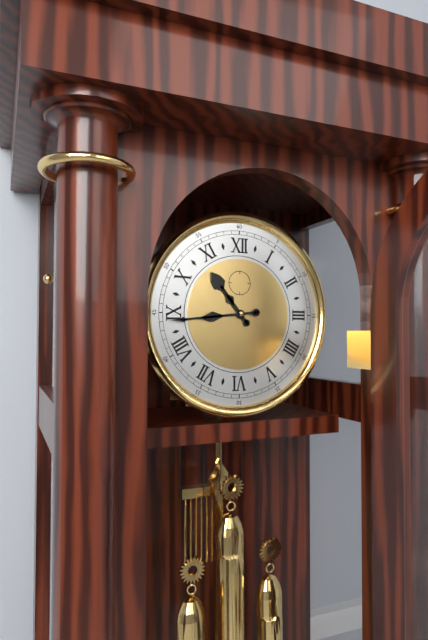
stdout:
{"hour": 10, "minute": 44}
